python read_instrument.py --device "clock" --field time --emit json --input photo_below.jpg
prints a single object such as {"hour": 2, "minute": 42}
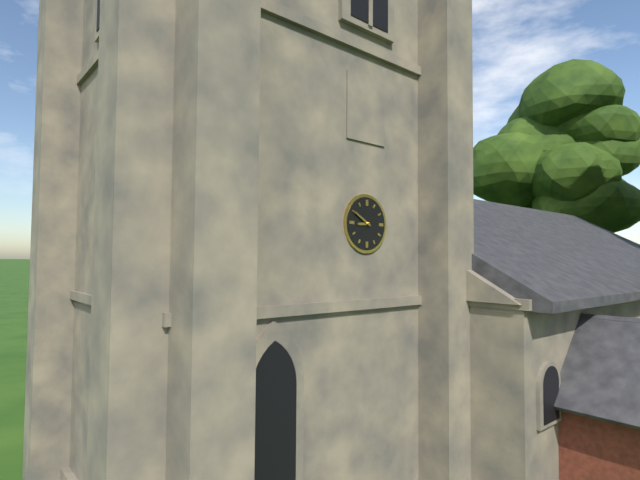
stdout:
{"hour": 8, "minute": 50}
